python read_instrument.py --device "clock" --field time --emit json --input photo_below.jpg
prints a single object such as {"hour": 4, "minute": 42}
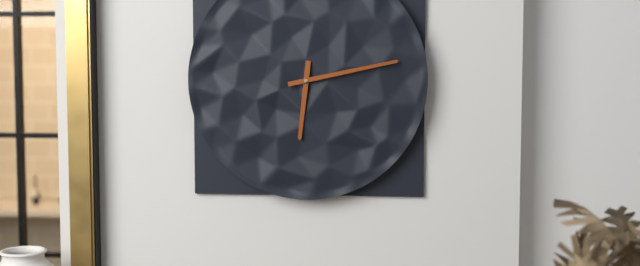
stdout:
{"hour": 6, "minute": 13}
